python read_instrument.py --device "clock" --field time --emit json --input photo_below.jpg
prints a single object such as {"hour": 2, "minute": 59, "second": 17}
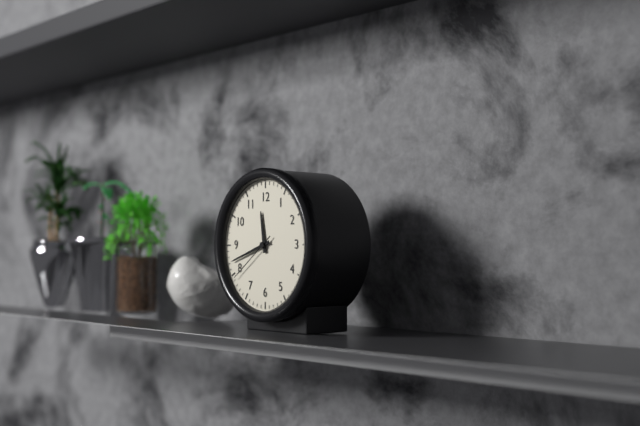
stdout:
{"hour": 11, "minute": 42, "second": 39}
